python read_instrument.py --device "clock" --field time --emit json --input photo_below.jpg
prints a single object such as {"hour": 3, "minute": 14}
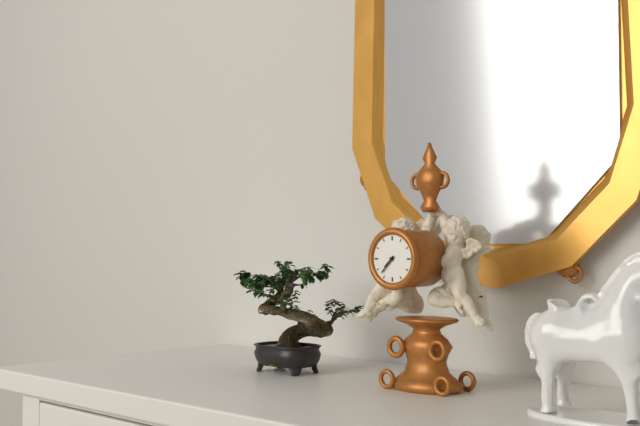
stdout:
{"hour": 7, "minute": 37}
